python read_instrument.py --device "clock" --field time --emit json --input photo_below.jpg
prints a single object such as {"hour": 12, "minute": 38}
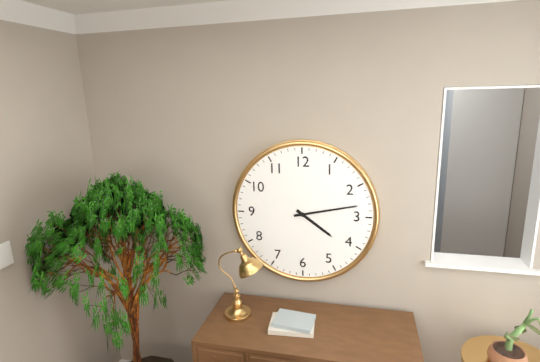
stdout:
{"hour": 4, "minute": 13}
